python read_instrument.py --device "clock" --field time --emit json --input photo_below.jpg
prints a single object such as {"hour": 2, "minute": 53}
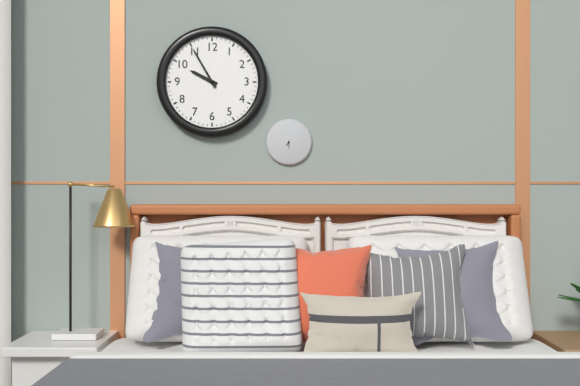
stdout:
{"hour": 9, "minute": 55}
